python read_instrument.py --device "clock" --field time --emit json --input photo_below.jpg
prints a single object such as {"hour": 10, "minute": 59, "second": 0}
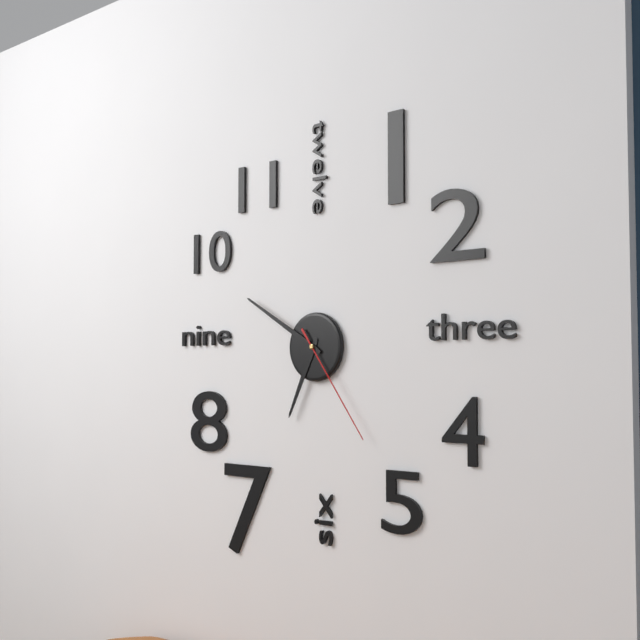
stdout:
{"hour": 6, "minute": 50, "second": 24}
